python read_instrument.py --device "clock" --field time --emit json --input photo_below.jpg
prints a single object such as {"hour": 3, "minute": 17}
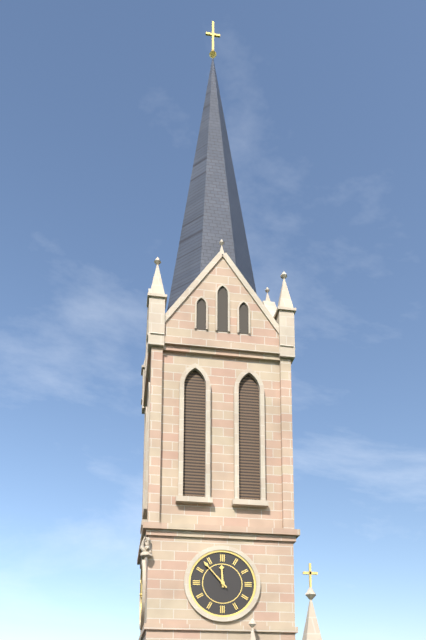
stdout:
{"hour": 11, "minute": 53}
